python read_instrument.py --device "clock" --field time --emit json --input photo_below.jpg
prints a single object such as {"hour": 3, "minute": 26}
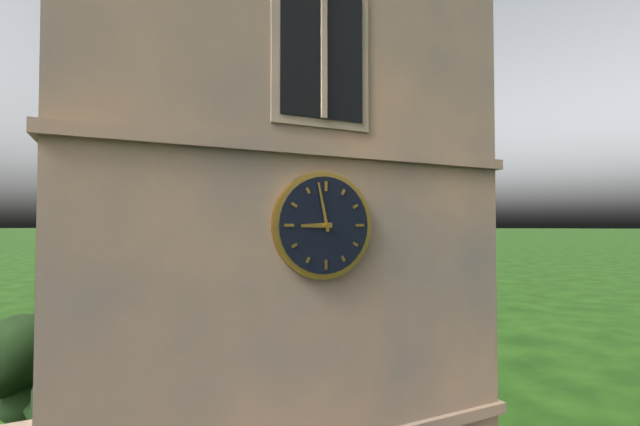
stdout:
{"hour": 8, "minute": 58}
